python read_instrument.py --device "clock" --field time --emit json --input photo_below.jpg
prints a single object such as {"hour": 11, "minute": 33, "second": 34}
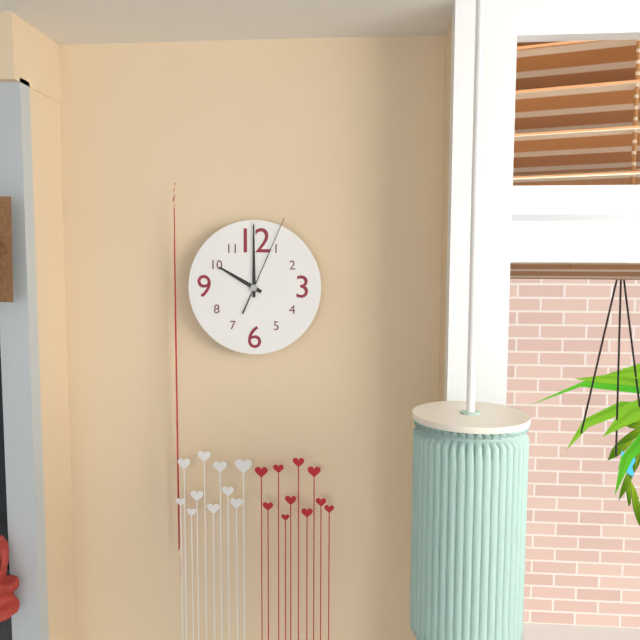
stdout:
{"hour": 10, "minute": 0, "second": 4}
